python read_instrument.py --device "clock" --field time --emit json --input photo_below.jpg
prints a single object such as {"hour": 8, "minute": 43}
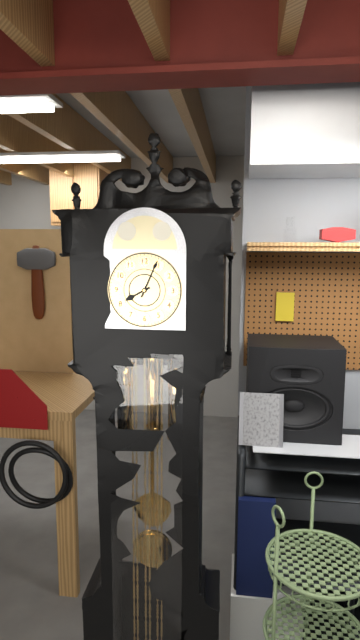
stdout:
{"hour": 8, "minute": 4}
